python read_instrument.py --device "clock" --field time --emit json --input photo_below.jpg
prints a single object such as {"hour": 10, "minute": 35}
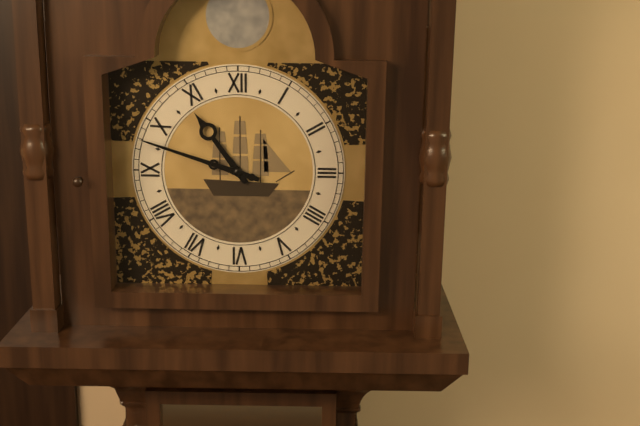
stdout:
{"hour": 10, "minute": 48}
